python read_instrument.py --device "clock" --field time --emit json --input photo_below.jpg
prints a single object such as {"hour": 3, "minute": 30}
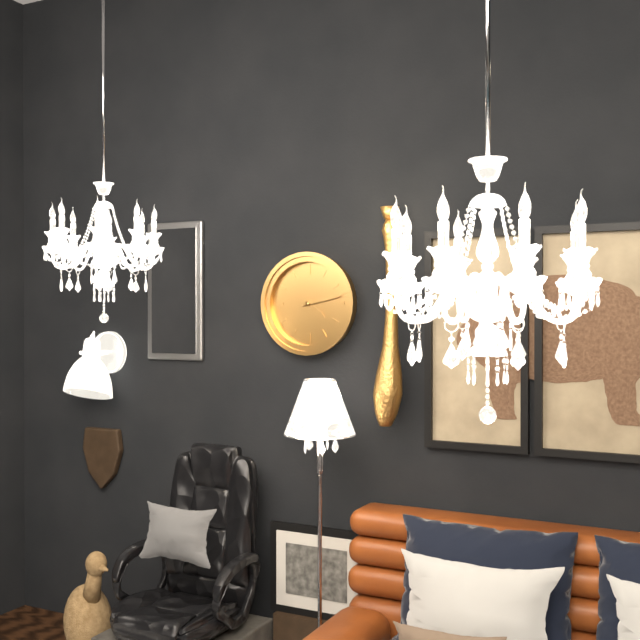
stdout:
{"hour": 4, "minute": 13}
